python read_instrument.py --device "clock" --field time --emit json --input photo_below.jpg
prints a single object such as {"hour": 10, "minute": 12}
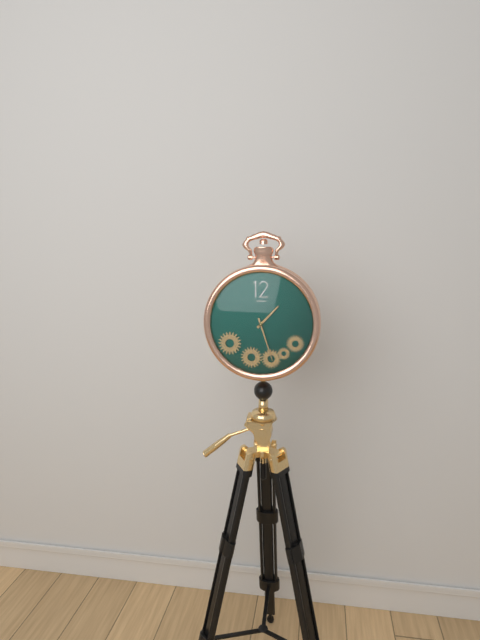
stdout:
{"hour": 1, "minute": 27}
